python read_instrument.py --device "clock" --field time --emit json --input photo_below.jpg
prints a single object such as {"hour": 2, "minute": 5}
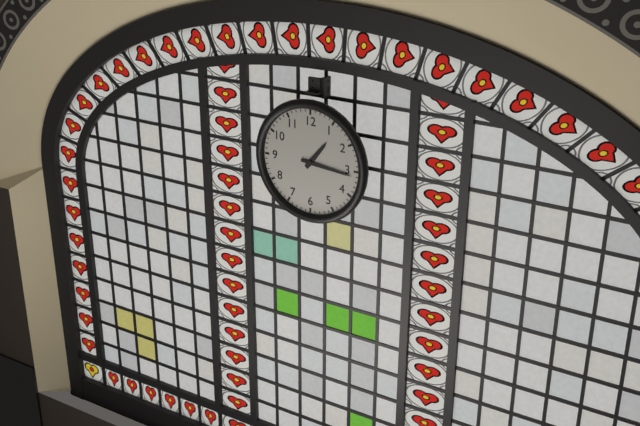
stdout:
{"hour": 1, "minute": 16}
